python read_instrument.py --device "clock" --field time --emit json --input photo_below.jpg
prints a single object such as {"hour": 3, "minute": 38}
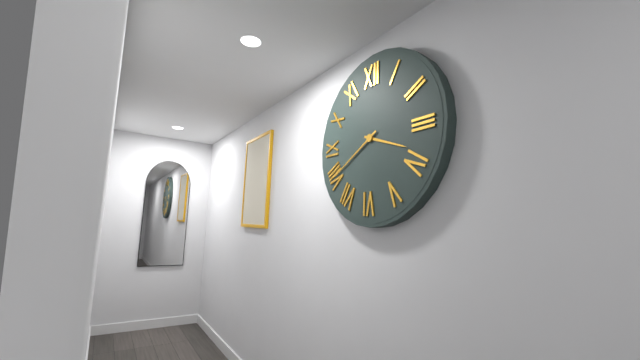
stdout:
{"hour": 3, "minute": 40}
